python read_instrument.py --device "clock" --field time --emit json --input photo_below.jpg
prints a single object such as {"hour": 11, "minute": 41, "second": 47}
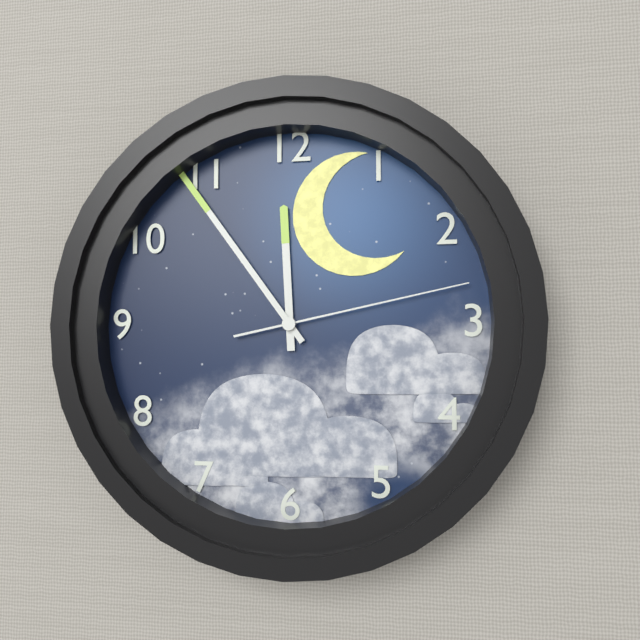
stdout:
{"hour": 11, "minute": 54, "second": 13}
